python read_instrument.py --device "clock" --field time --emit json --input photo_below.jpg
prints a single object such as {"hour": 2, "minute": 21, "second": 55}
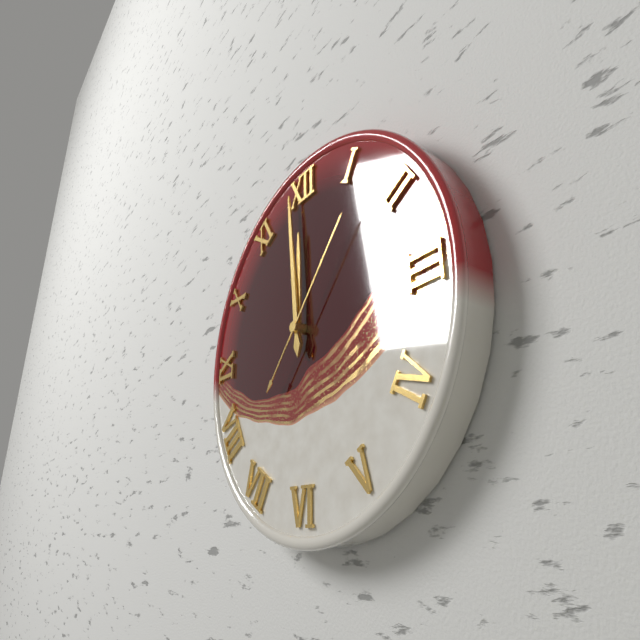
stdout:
{"hour": 11, "minute": 59, "second": 7}
